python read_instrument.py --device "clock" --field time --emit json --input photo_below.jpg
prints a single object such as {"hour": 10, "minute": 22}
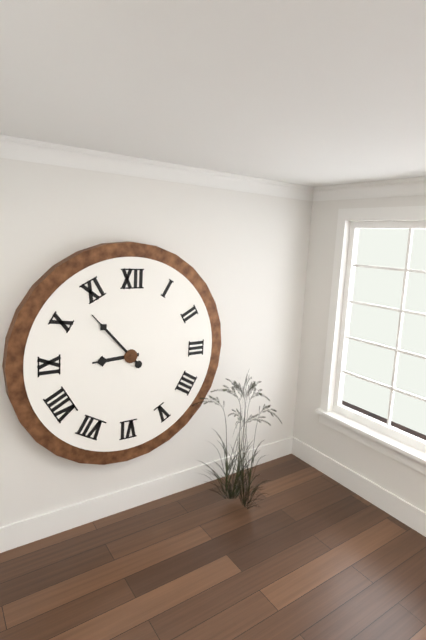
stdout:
{"hour": 8, "minute": 53}
